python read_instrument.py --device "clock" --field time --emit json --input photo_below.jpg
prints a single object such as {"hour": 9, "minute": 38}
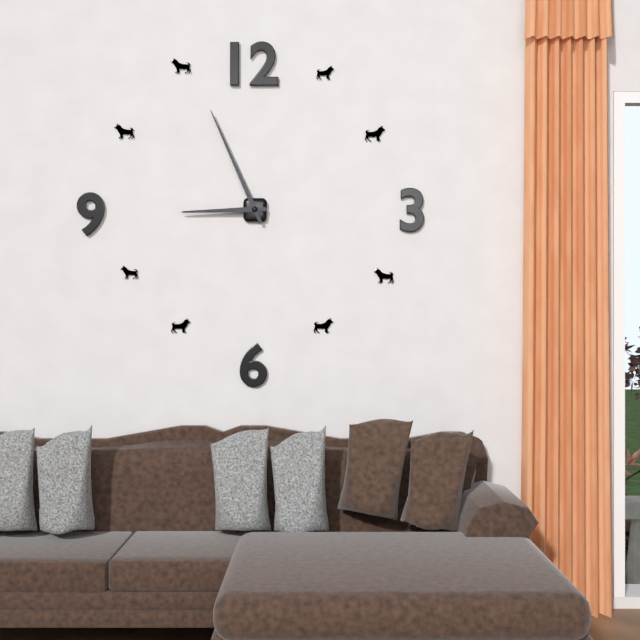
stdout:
{"hour": 8, "minute": 56}
